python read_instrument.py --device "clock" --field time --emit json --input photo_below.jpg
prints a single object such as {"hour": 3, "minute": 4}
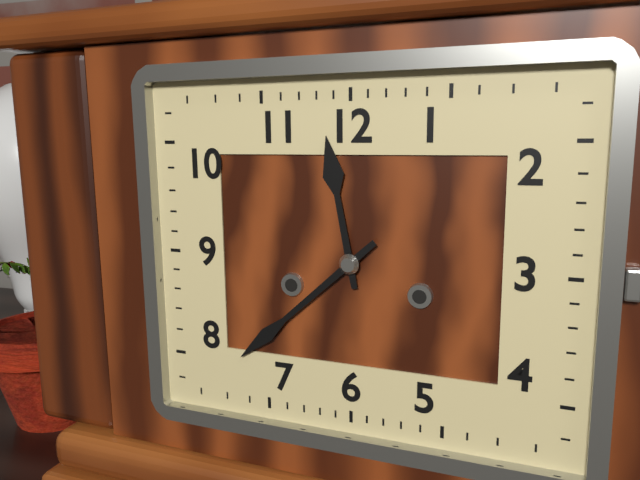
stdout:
{"hour": 11, "minute": 38}
